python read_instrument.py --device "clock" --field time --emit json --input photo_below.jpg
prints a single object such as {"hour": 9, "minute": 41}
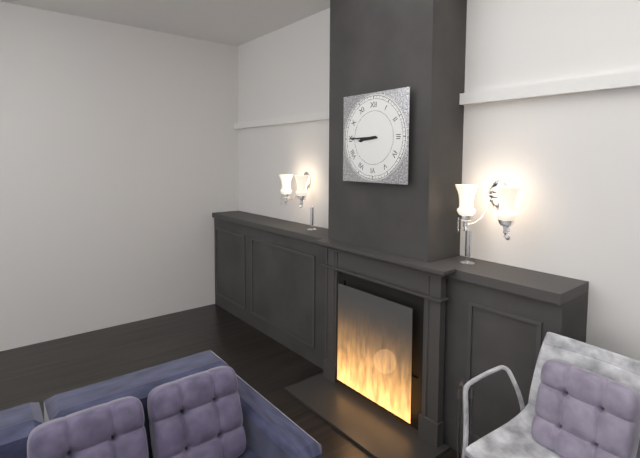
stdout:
{"hour": 8, "minute": 45}
